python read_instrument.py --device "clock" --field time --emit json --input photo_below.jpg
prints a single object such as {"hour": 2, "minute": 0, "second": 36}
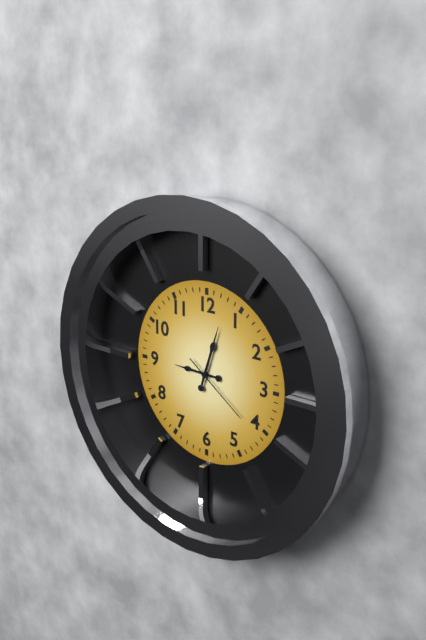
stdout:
{"hour": 9, "minute": 3, "second": 21}
